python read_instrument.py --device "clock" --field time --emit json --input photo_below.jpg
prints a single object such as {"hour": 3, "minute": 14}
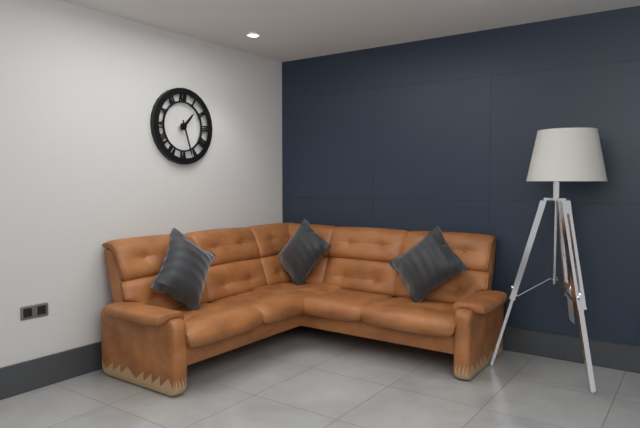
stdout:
{"hour": 1, "minute": 27}
